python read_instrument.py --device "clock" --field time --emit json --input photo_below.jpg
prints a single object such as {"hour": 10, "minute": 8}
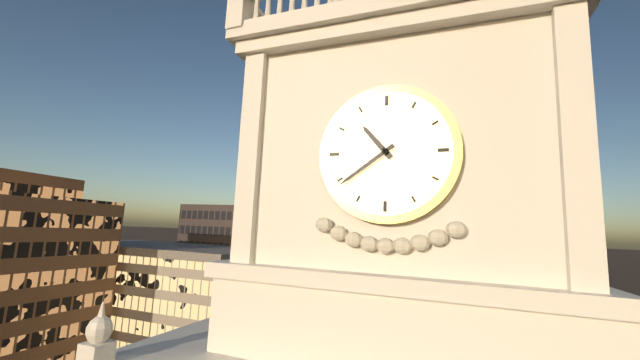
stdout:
{"hour": 10, "minute": 39}
